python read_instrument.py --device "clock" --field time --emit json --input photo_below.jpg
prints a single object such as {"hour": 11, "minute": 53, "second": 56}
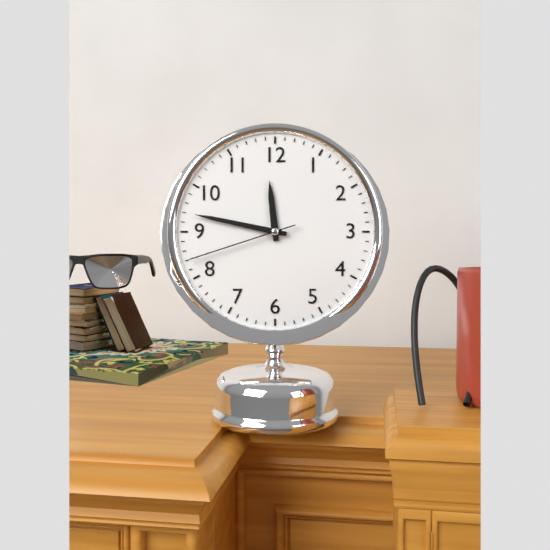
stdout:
{"hour": 11, "minute": 47, "second": 42}
